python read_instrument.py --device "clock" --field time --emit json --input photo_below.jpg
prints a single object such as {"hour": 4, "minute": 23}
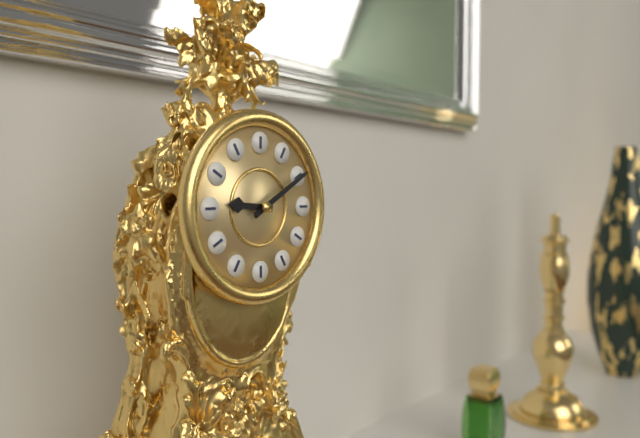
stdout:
{"hour": 9, "minute": 10}
